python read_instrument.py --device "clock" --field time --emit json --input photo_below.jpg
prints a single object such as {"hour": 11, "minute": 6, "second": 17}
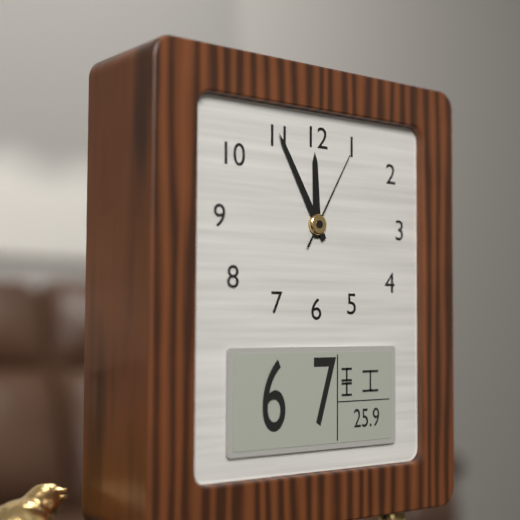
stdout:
{"hour": 11, "minute": 55, "second": 5}
